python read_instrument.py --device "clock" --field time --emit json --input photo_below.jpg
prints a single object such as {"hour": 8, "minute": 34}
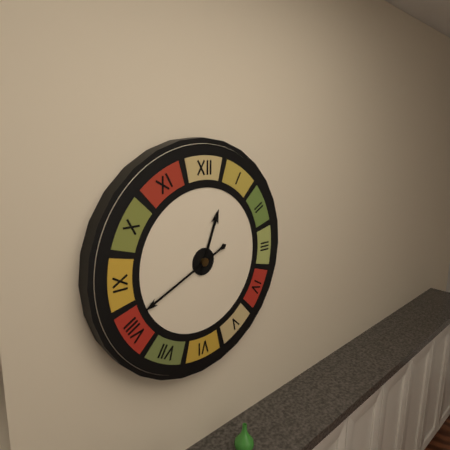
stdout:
{"hour": 12, "minute": 41}
